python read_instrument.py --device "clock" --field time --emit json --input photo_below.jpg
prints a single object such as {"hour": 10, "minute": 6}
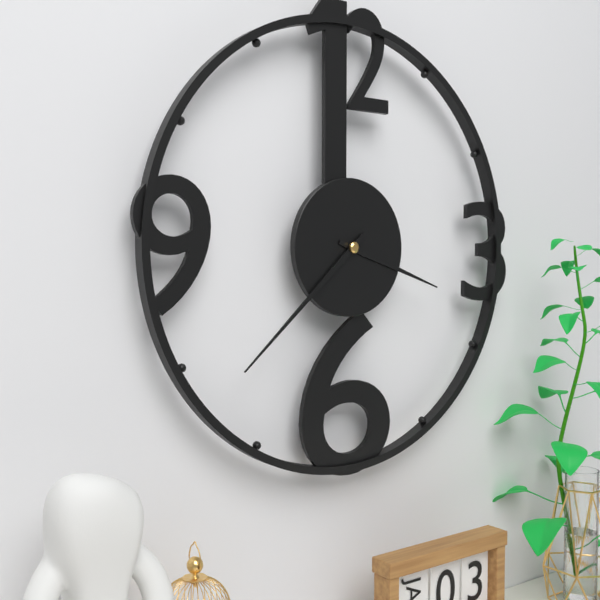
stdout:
{"hour": 3, "minute": 38}
